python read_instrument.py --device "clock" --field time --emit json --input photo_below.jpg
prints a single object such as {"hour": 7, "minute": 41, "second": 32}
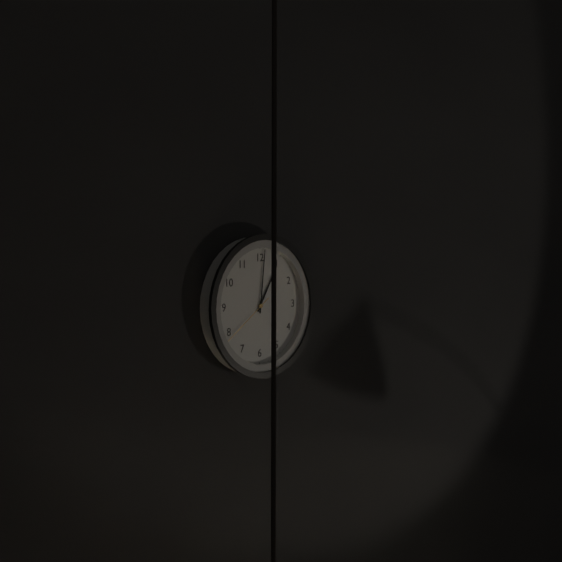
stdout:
{"hour": 1, "minute": 1, "second": 39}
